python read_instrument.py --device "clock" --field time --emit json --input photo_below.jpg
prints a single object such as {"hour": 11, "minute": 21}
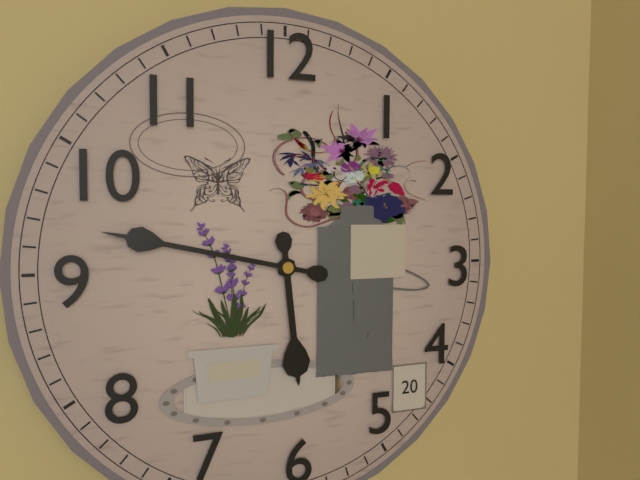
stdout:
{"hour": 5, "minute": 47}
